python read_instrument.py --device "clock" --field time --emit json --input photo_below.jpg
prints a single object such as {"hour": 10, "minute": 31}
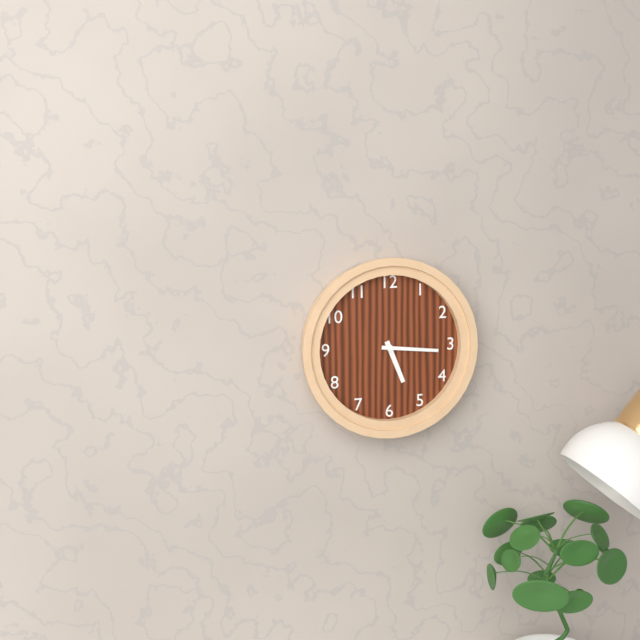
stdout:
{"hour": 5, "minute": 16}
